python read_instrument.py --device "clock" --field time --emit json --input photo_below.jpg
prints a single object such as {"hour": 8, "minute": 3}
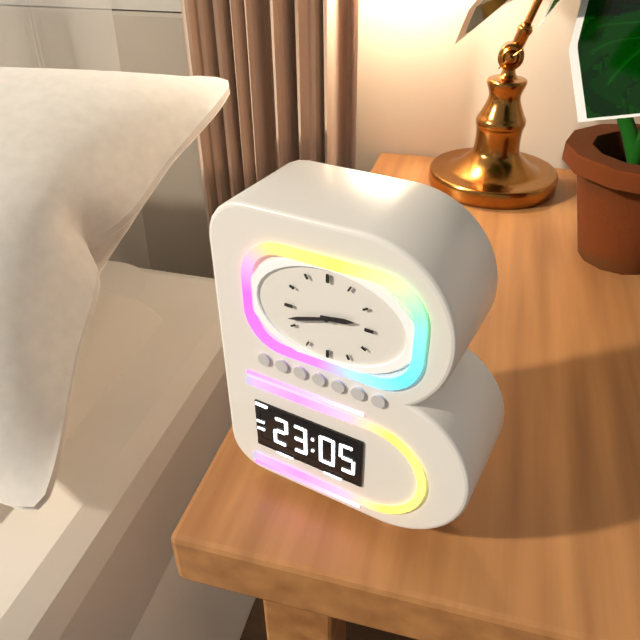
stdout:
{"hour": 2, "minute": 42}
